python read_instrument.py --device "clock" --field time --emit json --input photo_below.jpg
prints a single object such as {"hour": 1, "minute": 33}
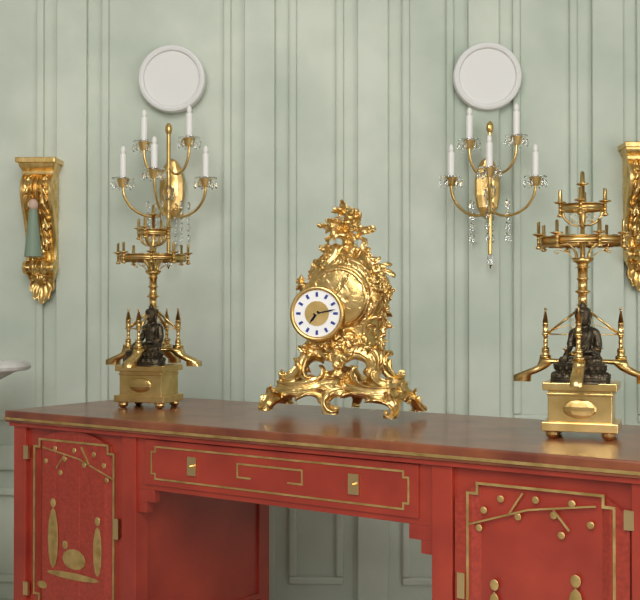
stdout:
{"hour": 7, "minute": 13}
